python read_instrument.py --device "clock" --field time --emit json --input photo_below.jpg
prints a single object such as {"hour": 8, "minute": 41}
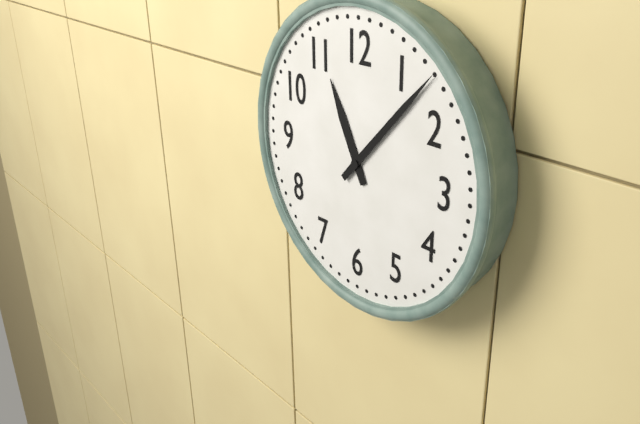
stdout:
{"hour": 11, "minute": 7}
